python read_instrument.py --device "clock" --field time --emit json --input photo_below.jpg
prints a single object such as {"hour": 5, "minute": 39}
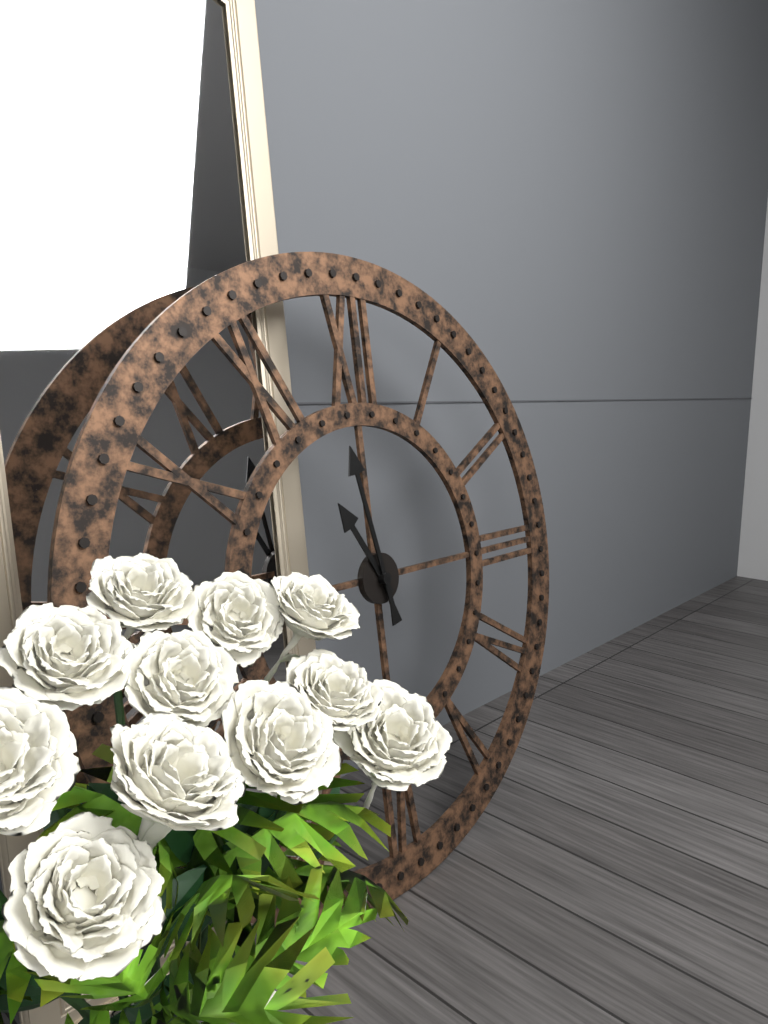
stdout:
{"hour": 10, "minute": 58}
